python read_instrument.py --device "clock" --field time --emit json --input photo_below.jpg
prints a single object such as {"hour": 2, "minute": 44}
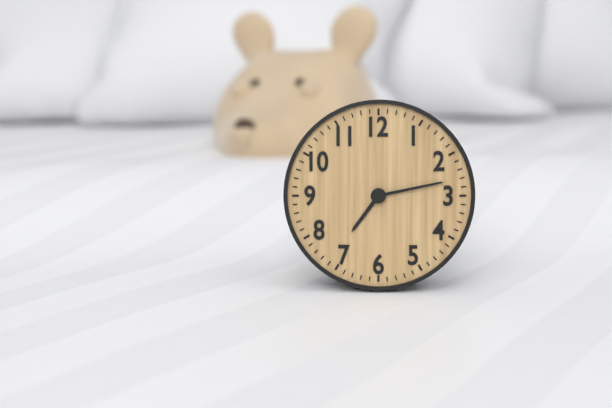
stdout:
{"hour": 7, "minute": 13}
